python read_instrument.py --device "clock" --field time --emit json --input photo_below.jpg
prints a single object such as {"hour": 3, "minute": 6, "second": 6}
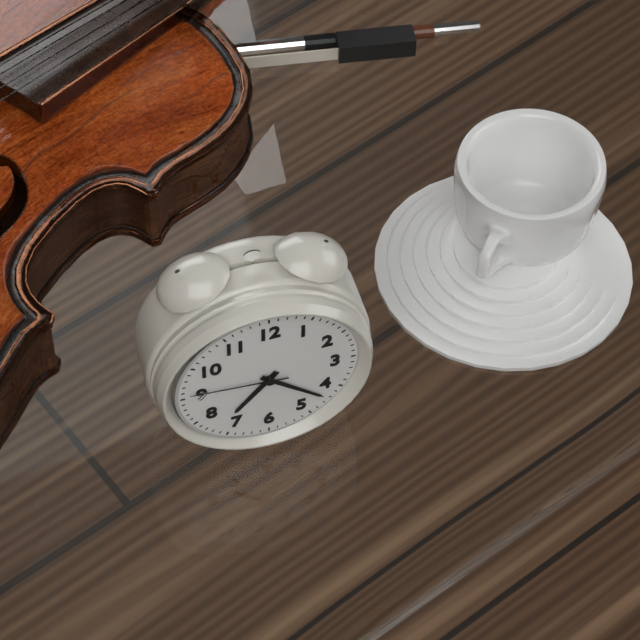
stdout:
{"hour": 7, "minute": 22, "second": 46}
